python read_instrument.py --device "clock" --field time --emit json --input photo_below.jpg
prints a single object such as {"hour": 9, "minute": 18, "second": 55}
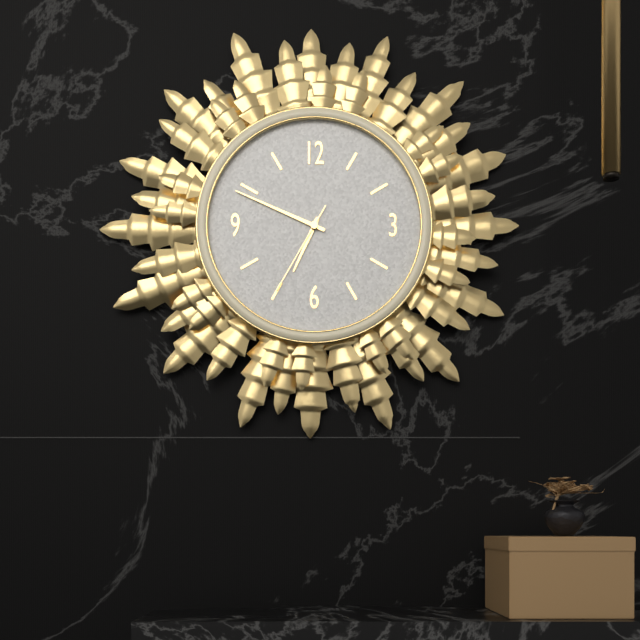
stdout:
{"hour": 6, "minute": 49, "second": 35}
